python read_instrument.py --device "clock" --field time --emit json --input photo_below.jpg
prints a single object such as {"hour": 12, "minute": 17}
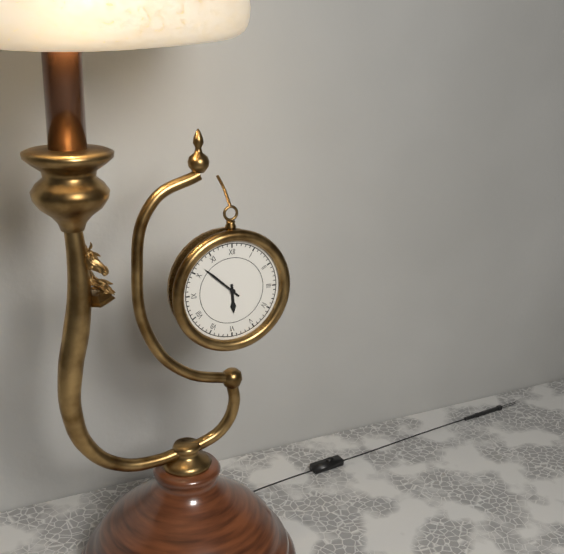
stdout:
{"hour": 5, "minute": 52}
